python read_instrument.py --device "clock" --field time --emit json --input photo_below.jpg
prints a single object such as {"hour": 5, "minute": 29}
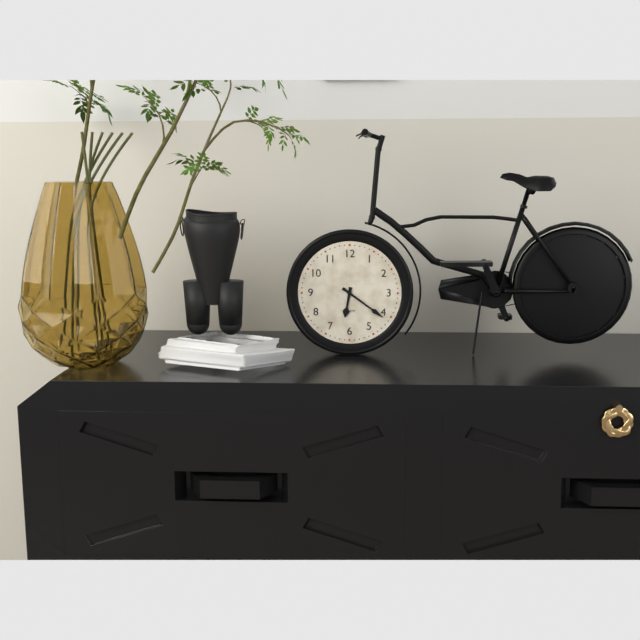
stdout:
{"hour": 6, "minute": 21}
